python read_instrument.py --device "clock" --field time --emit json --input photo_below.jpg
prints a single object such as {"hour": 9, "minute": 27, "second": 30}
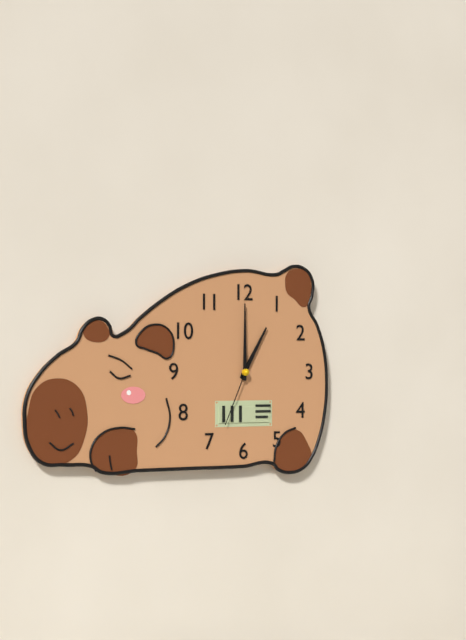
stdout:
{"hour": 1, "minute": 0, "second": 34}
